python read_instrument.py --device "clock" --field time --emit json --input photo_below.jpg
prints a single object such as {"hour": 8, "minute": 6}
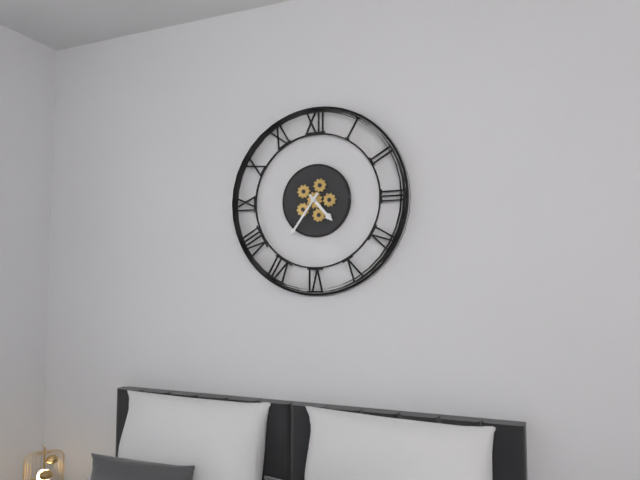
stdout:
{"hour": 4, "minute": 36}
